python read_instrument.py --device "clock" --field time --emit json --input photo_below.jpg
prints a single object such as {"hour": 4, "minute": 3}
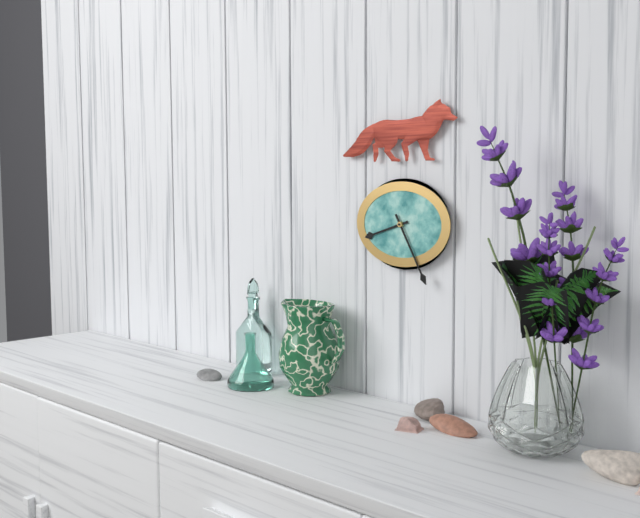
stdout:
{"hour": 8, "minute": 25}
